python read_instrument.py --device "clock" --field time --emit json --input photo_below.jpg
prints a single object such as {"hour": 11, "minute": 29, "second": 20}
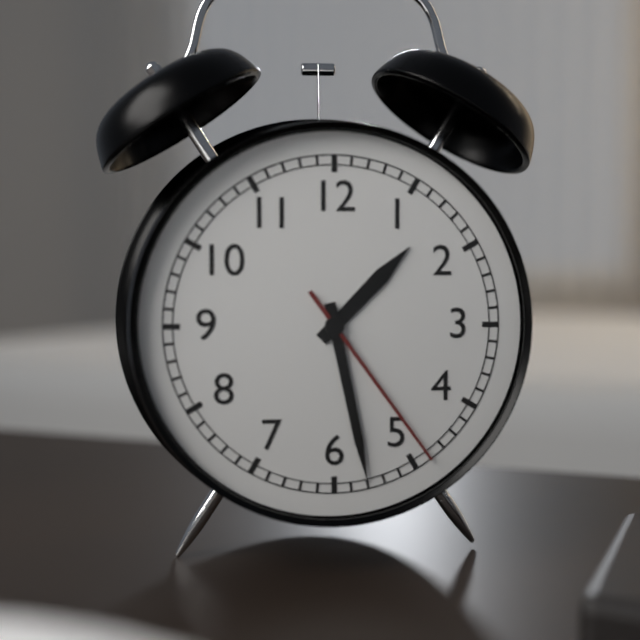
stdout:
{"hour": 1, "minute": 28, "second": 24}
